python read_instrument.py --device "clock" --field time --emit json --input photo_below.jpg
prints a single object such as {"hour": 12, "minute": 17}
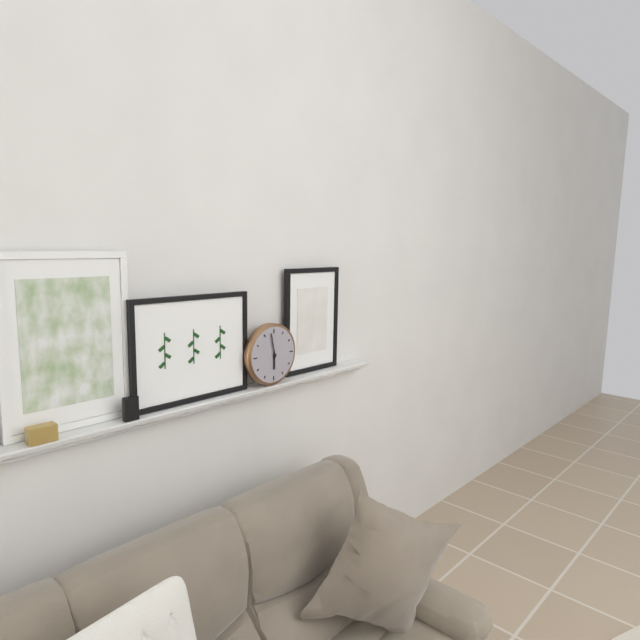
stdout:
{"hour": 5, "minute": 58}
